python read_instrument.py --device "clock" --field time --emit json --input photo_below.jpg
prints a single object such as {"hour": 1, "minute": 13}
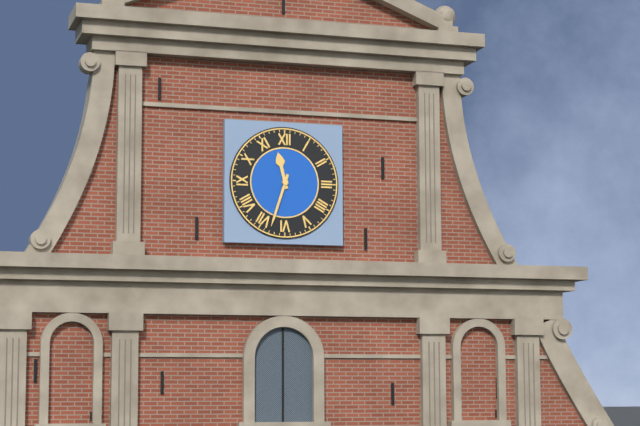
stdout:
{"hour": 11, "minute": 33}
